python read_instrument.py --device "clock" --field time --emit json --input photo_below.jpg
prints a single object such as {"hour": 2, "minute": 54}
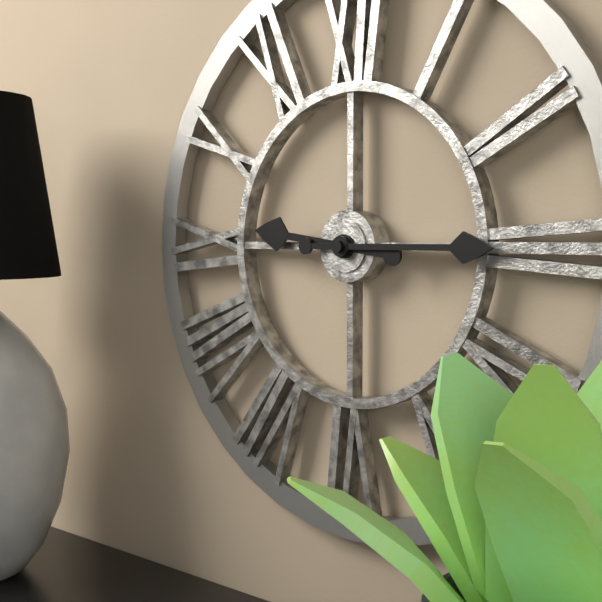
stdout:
{"hour": 9, "minute": 15}
